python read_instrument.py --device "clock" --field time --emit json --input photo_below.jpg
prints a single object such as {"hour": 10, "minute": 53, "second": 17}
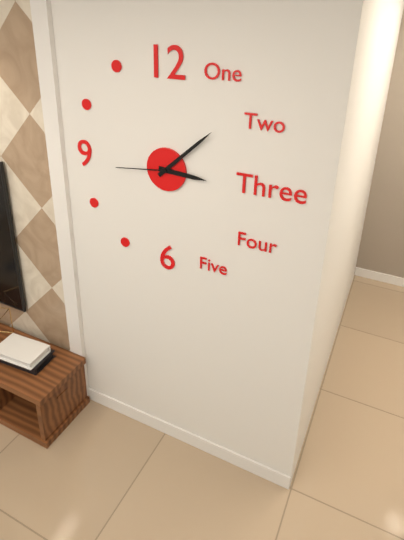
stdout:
{"hour": 3, "minute": 8, "second": 44}
